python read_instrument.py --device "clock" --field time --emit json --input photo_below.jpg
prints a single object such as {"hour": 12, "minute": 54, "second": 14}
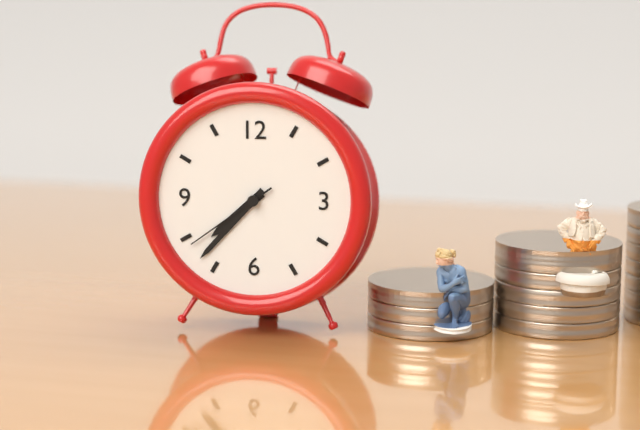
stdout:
{"hour": 7, "minute": 37, "second": 39}
